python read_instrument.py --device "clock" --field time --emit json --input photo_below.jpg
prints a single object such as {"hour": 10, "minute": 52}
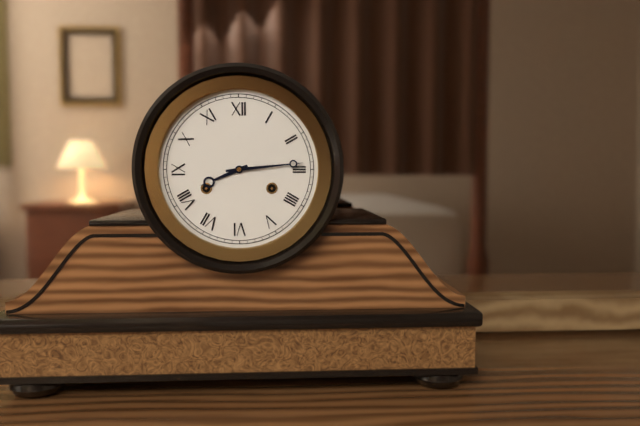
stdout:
{"hour": 8, "minute": 14}
